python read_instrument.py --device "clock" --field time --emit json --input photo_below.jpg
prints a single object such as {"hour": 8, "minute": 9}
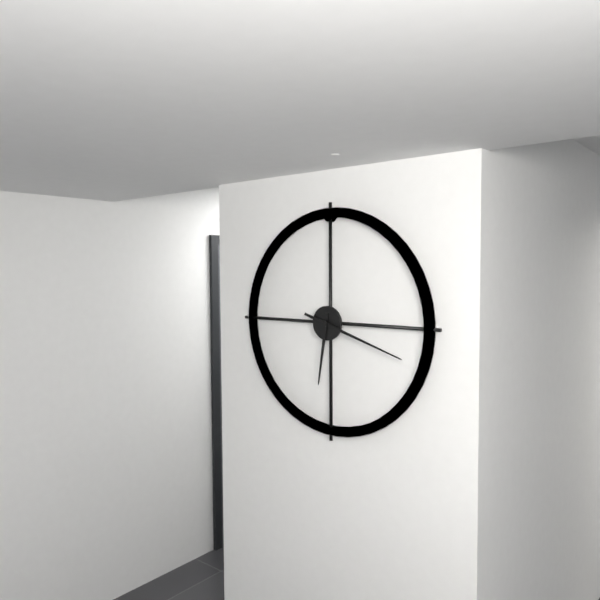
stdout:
{"hour": 6, "minute": 18}
